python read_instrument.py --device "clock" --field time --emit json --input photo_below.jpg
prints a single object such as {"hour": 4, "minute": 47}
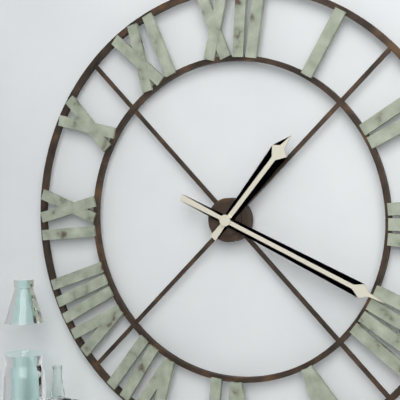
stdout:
{"hour": 1, "minute": 19}
